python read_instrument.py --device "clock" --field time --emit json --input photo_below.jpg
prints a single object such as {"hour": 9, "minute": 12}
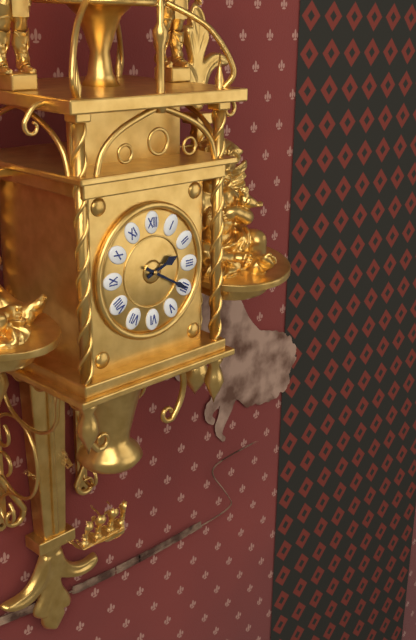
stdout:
{"hour": 2, "minute": 20}
